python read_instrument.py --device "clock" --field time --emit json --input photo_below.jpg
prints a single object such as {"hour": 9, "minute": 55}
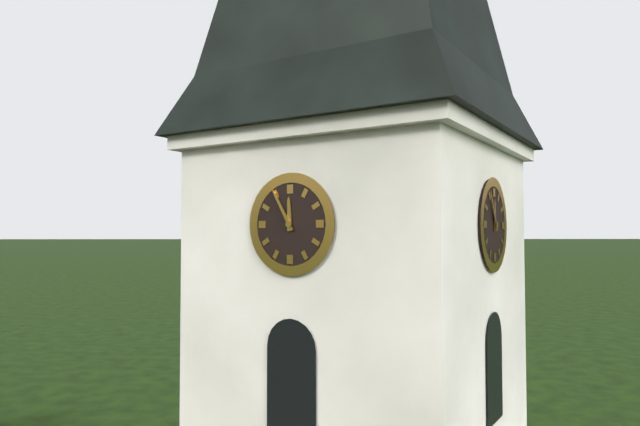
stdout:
{"hour": 11, "minute": 55}
